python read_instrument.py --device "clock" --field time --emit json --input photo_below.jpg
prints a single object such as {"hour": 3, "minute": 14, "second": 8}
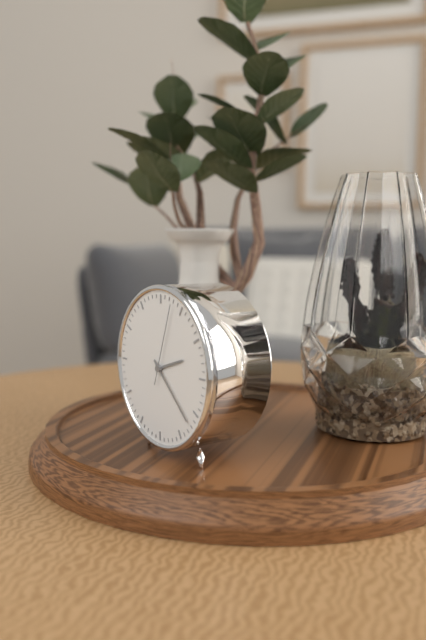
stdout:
{"hour": 2, "minute": 22, "second": 3}
